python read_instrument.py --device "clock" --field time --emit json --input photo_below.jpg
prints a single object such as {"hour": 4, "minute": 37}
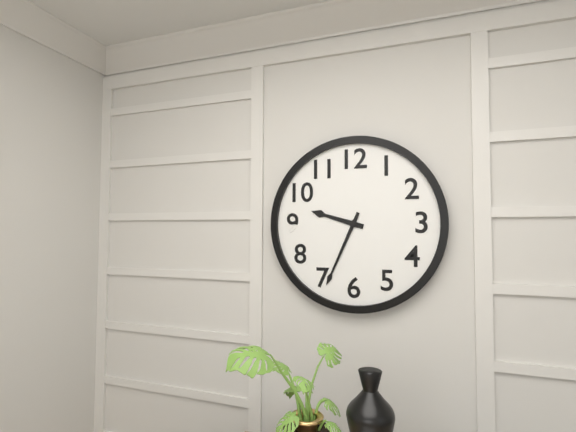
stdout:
{"hour": 9, "minute": 34}
